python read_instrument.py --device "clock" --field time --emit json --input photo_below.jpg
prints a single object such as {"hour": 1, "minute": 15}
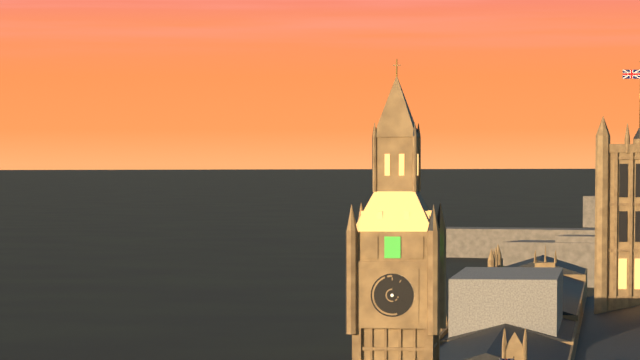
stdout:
{"hour": 5, "minute": 20}
